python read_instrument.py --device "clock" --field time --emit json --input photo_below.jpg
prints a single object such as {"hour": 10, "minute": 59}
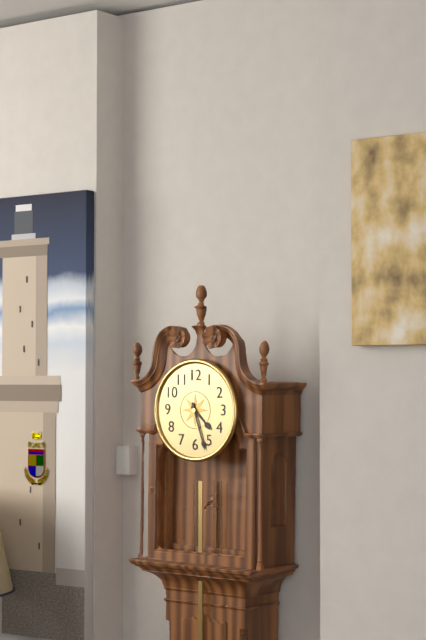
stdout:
{"hour": 4, "minute": 27}
